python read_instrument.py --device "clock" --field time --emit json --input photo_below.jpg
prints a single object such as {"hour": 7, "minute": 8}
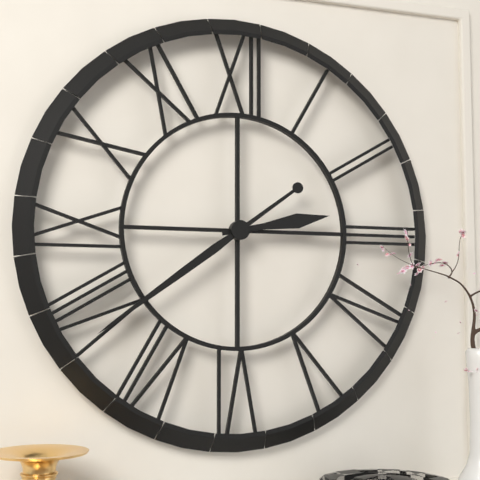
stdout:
{"hour": 2, "minute": 39}
